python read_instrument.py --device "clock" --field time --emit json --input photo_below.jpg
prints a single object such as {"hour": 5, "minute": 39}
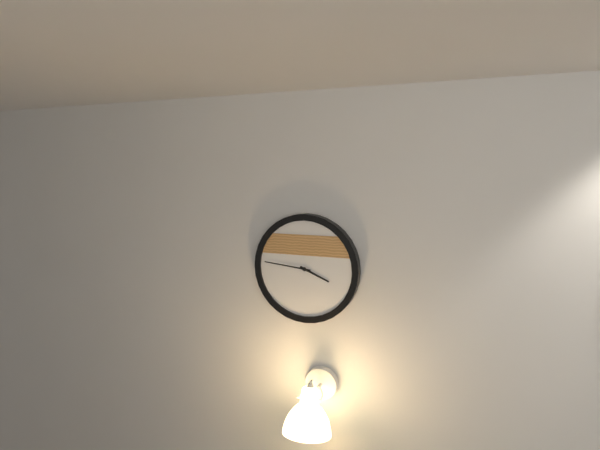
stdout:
{"hour": 3, "minute": 46}
